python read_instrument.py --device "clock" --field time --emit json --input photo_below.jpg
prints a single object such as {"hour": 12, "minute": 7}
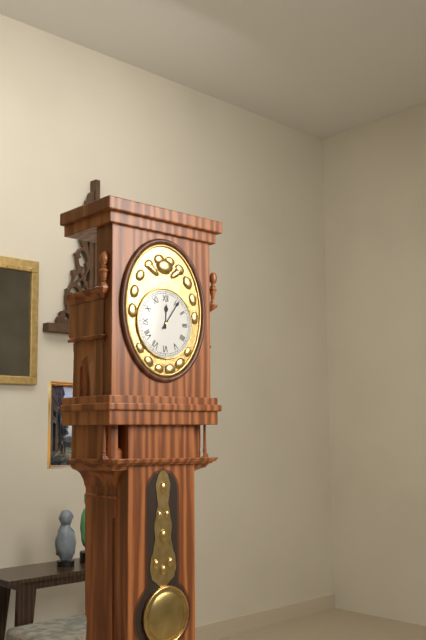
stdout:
{"hour": 12, "minute": 6}
